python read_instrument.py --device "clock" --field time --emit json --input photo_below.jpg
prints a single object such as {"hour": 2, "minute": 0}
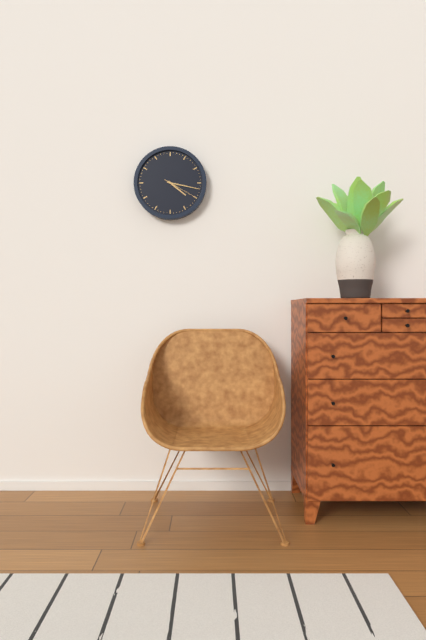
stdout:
{"hour": 4, "minute": 17}
